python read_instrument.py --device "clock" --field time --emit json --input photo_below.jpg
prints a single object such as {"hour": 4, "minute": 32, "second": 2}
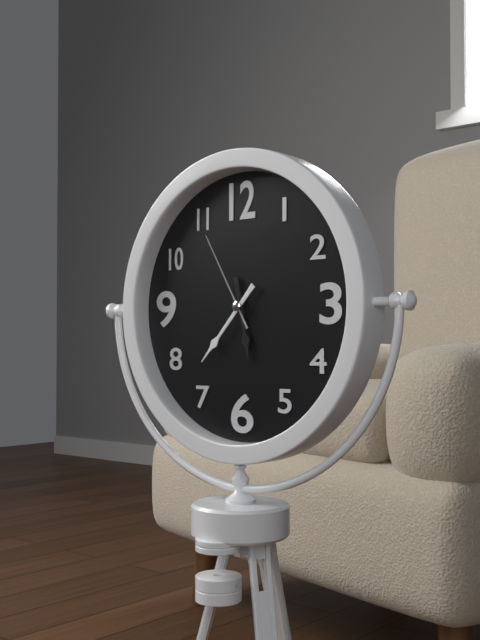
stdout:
{"hour": 5, "minute": 37, "second": 55}
